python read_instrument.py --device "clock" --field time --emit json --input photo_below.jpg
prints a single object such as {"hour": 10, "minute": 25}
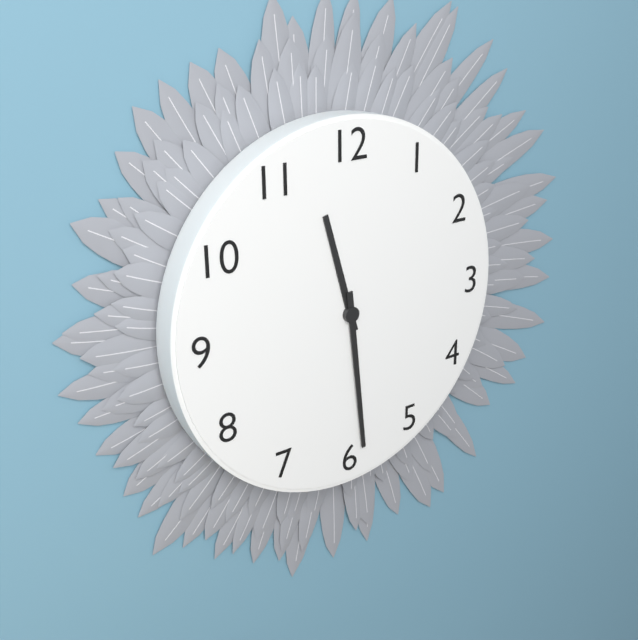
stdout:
{"hour": 11, "minute": 29}
